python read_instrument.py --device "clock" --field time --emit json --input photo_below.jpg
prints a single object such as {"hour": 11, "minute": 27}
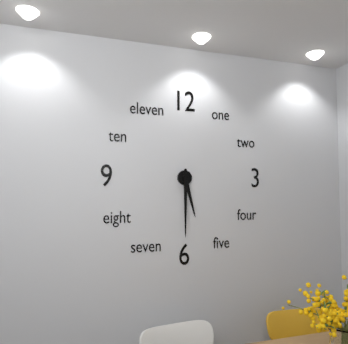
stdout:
{"hour": 5, "minute": 30}
